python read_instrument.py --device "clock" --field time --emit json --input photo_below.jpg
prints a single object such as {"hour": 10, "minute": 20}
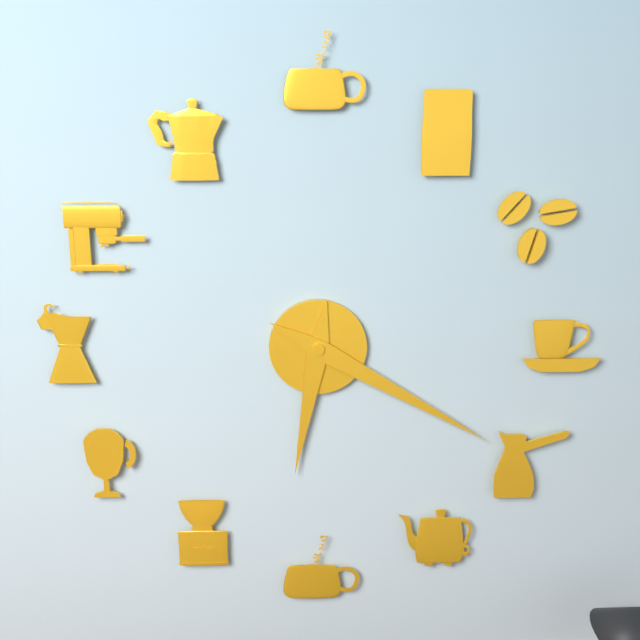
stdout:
{"hour": 6, "minute": 20}
